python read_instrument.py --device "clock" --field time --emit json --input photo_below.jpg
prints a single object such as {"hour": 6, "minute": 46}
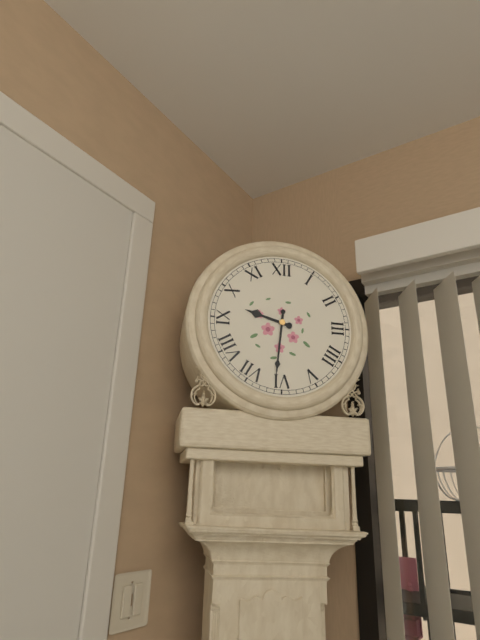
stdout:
{"hour": 9, "minute": 31}
